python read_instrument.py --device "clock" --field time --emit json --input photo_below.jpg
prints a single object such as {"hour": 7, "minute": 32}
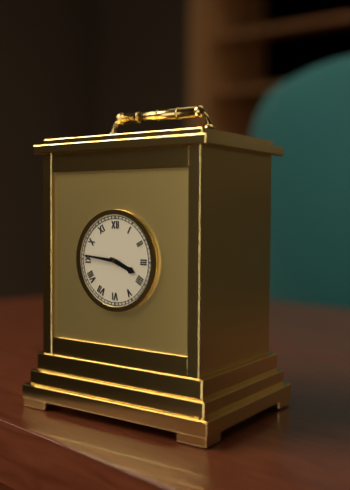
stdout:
{"hour": 3, "minute": 46}
